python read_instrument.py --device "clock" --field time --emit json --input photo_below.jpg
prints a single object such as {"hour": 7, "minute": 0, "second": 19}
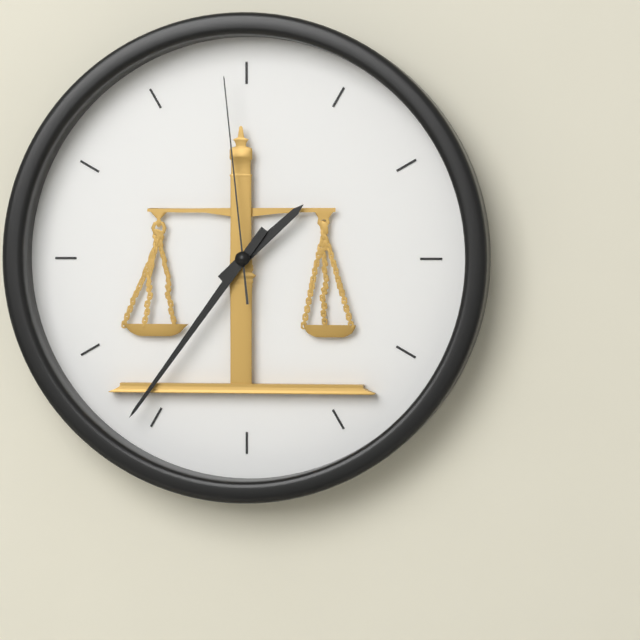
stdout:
{"hour": 1, "minute": 36, "second": 59}
